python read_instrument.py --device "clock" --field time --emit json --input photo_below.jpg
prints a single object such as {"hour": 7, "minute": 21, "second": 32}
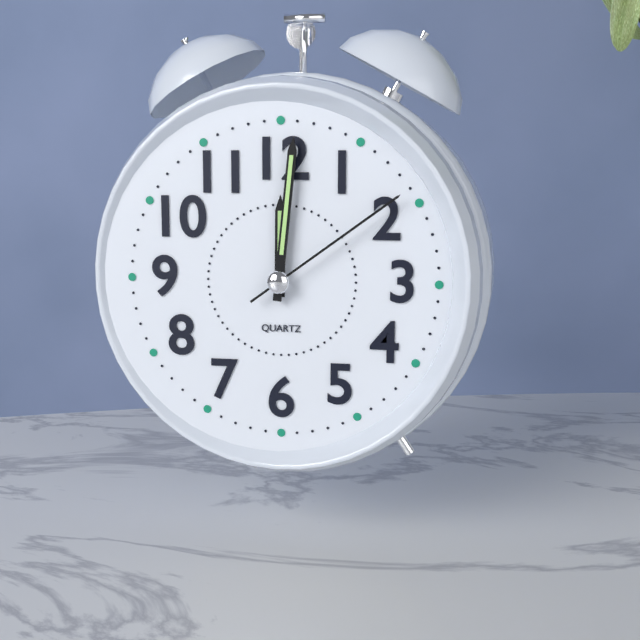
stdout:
{"hour": 12, "minute": 1, "second": 9}
